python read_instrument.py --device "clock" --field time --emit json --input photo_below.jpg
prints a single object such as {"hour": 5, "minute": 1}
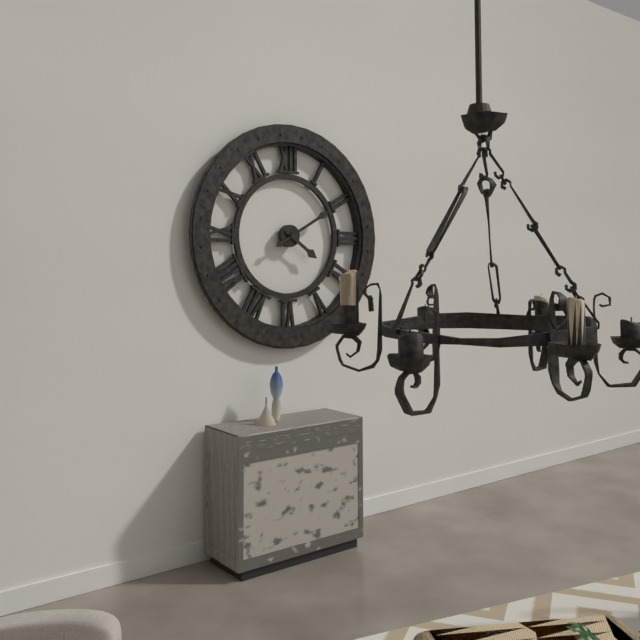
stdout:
{"hour": 4, "minute": 10}
